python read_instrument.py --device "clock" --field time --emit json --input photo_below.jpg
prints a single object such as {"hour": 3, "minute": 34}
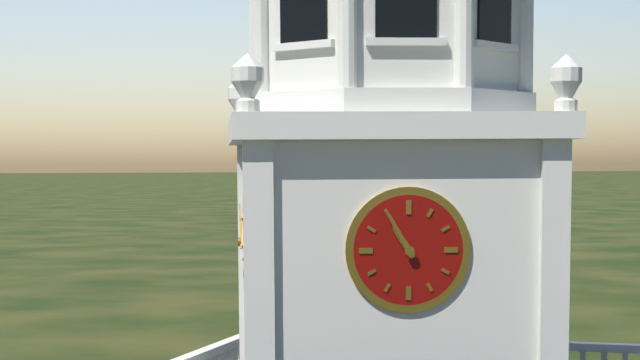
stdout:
{"hour": 10, "minute": 55}
